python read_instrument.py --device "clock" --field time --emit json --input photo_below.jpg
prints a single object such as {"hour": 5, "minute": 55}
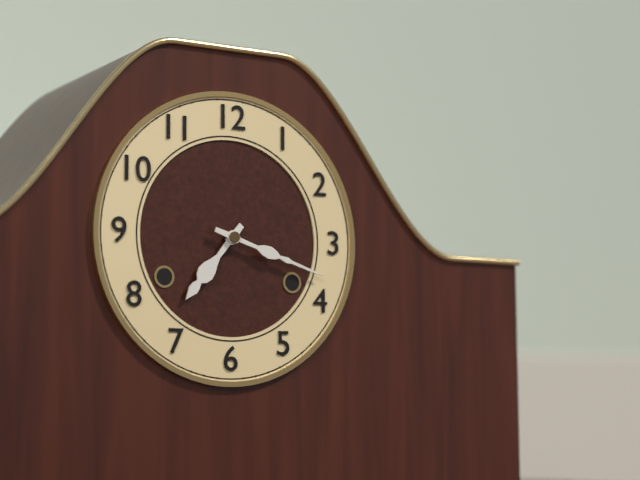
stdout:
{"hour": 7, "minute": 18}
